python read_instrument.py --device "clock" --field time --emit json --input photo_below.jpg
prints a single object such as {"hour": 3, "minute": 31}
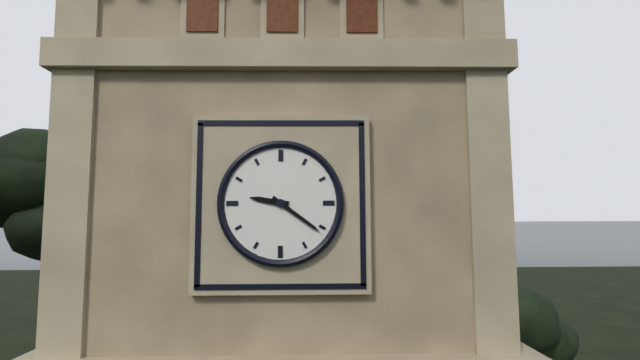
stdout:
{"hour": 9, "minute": 21}
